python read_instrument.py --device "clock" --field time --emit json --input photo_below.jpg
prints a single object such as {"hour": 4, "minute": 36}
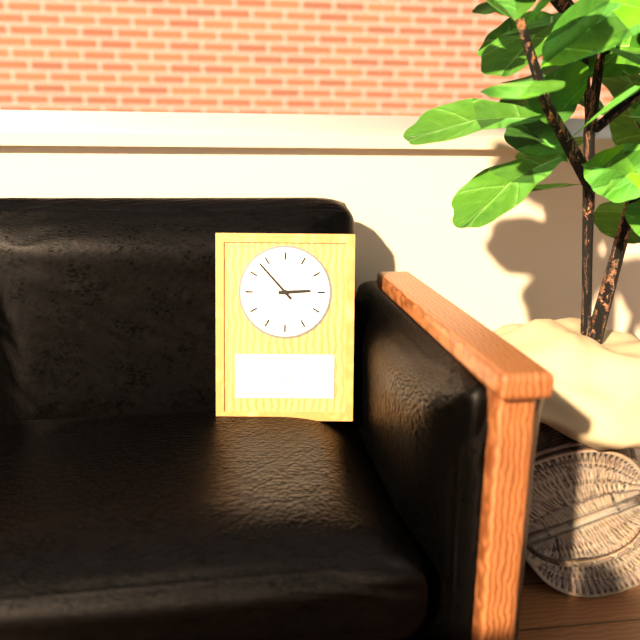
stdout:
{"hour": 2, "minute": 53}
